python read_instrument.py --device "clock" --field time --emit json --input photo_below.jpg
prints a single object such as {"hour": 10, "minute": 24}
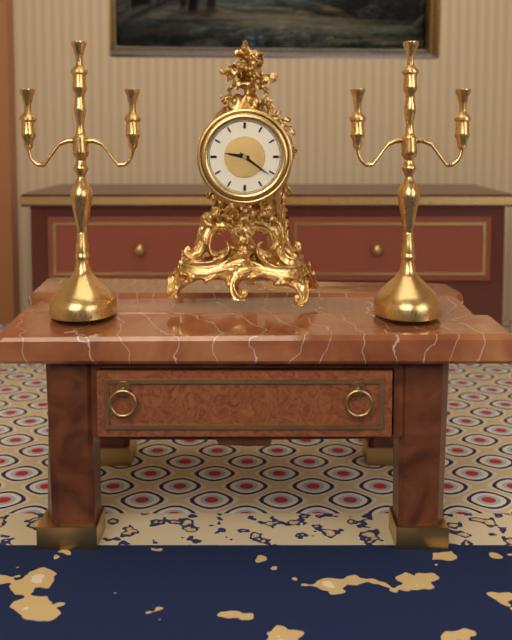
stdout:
{"hour": 9, "minute": 21}
